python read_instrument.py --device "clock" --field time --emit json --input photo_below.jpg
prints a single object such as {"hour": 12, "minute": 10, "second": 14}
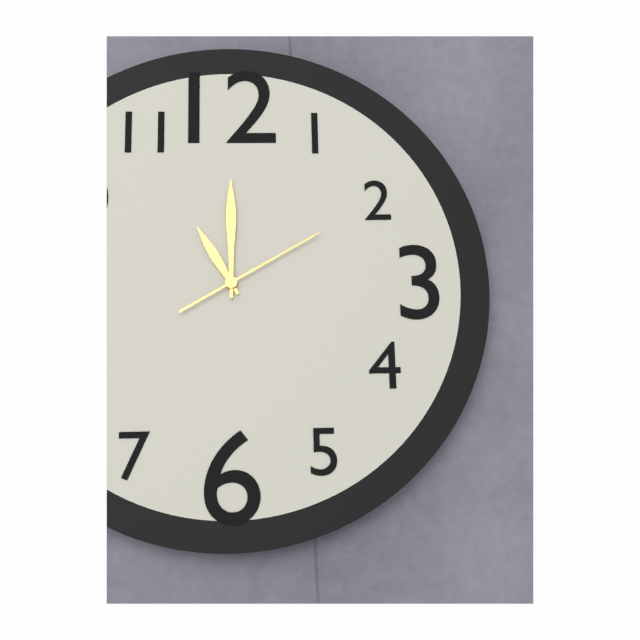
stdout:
{"hour": 11, "minute": 0, "second": 10}
